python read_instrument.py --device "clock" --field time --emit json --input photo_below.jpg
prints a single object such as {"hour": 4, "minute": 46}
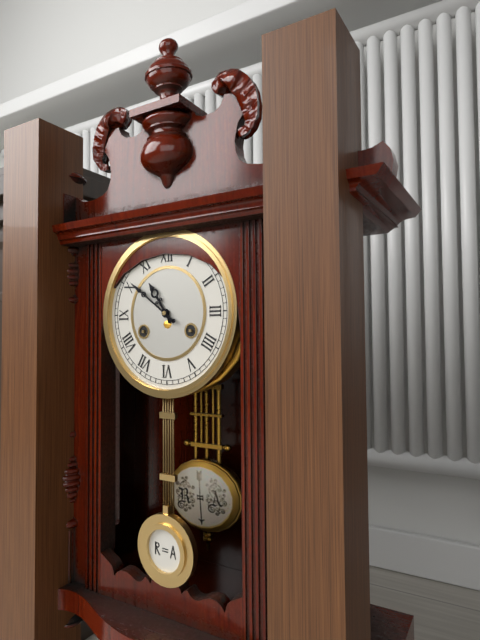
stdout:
{"hour": 10, "minute": 51}
